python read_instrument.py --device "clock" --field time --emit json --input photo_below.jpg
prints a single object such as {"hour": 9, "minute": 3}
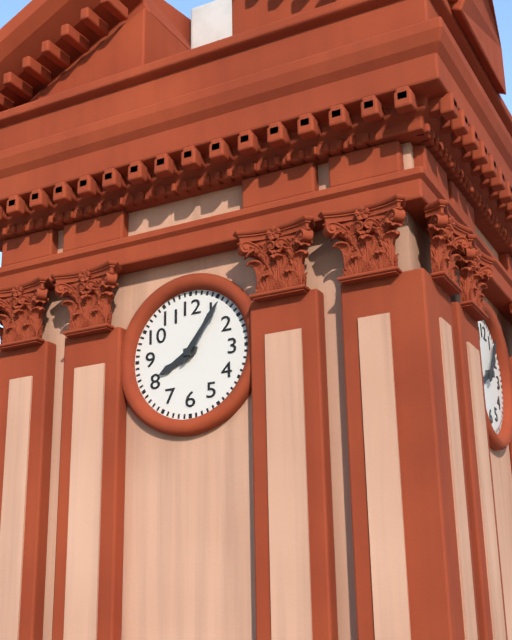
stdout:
{"hour": 8, "minute": 6}
